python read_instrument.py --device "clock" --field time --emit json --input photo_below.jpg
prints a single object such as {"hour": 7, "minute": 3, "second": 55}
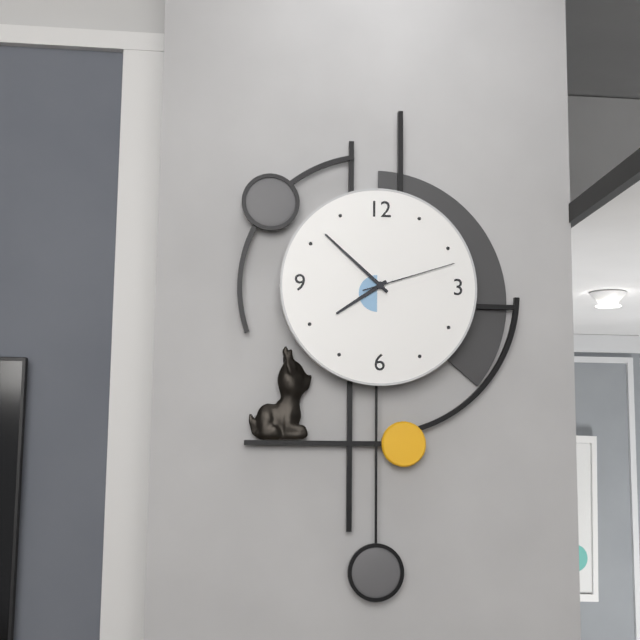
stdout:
{"hour": 7, "minute": 52, "second": 12}
